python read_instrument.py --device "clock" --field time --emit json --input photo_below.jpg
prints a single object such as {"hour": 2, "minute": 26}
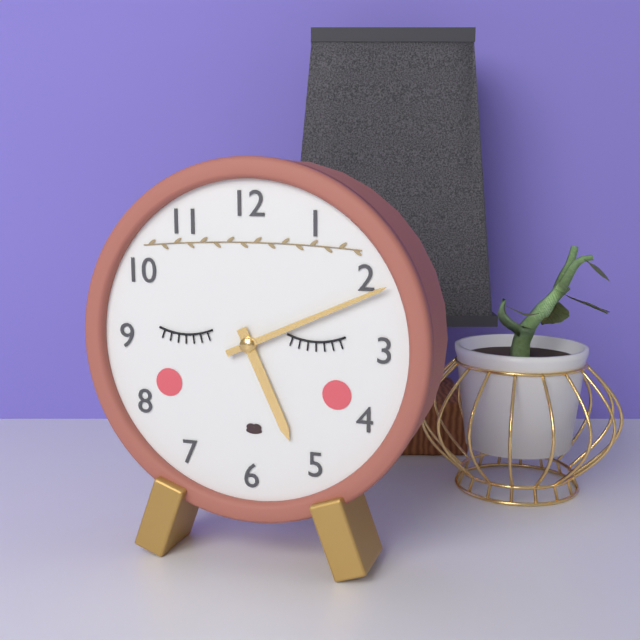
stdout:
{"hour": 5, "minute": 11}
